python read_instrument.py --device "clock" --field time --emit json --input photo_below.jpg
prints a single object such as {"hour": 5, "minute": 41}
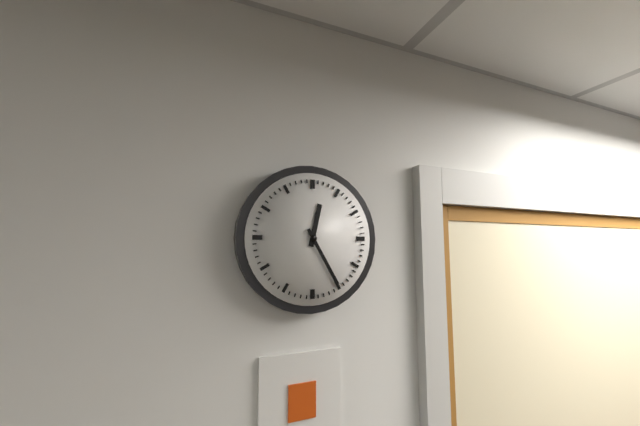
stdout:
{"hour": 12, "minute": 25}
